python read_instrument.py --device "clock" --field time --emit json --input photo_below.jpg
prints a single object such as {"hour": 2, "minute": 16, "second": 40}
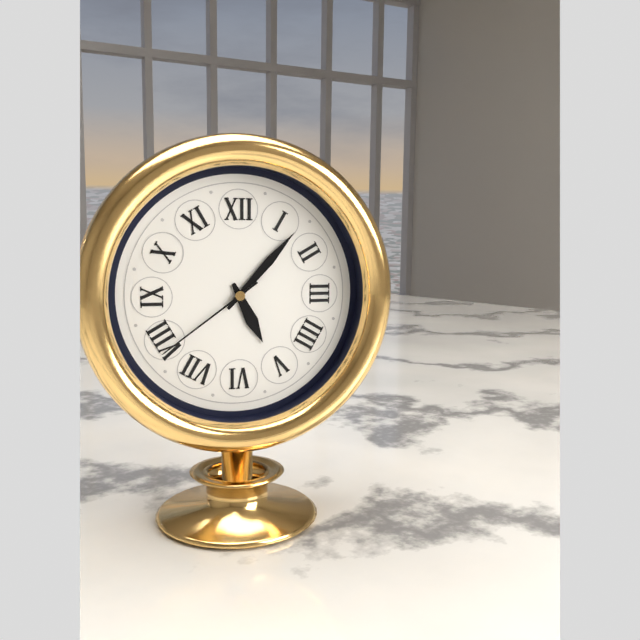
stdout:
{"hour": 5, "minute": 7, "second": 39}
